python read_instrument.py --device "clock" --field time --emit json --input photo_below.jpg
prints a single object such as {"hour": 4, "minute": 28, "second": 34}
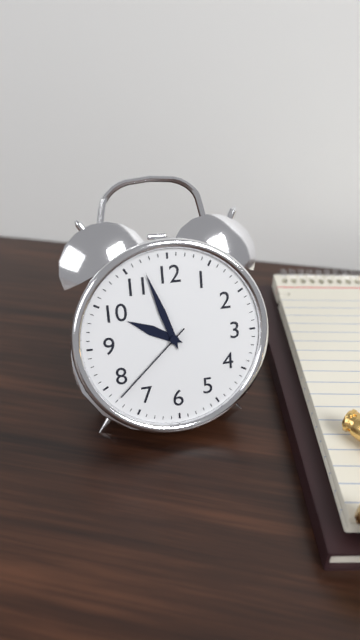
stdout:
{"hour": 9, "minute": 57, "second": 38}
